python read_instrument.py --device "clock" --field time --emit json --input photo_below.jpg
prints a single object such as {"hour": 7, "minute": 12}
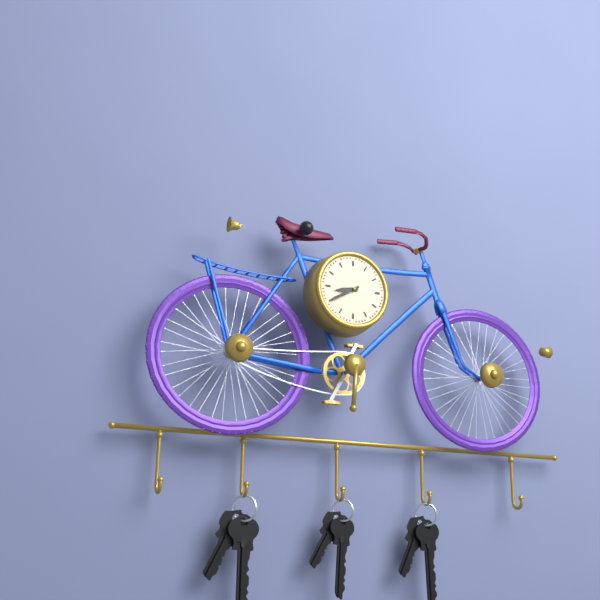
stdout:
{"hour": 8, "minute": 40}
